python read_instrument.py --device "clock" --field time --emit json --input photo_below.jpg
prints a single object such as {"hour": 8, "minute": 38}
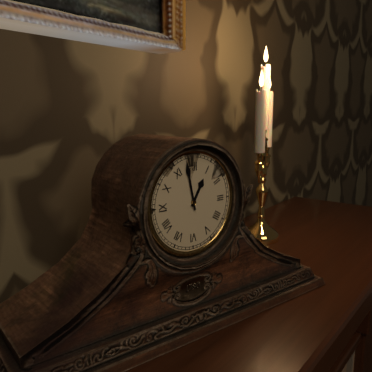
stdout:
{"hour": 12, "minute": 58}
